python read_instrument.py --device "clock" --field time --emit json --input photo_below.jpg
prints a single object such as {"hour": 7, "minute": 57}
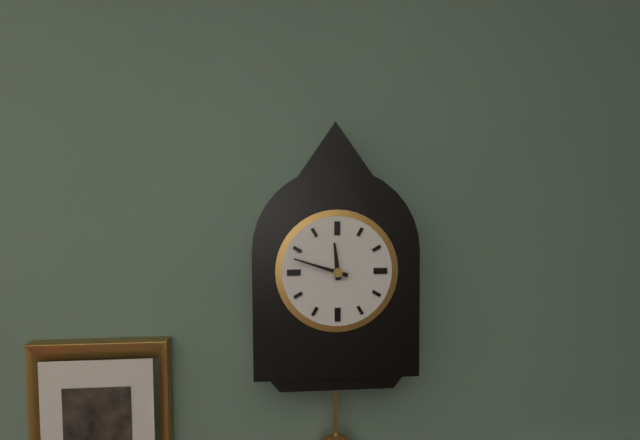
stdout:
{"hour": 11, "minute": 48}
